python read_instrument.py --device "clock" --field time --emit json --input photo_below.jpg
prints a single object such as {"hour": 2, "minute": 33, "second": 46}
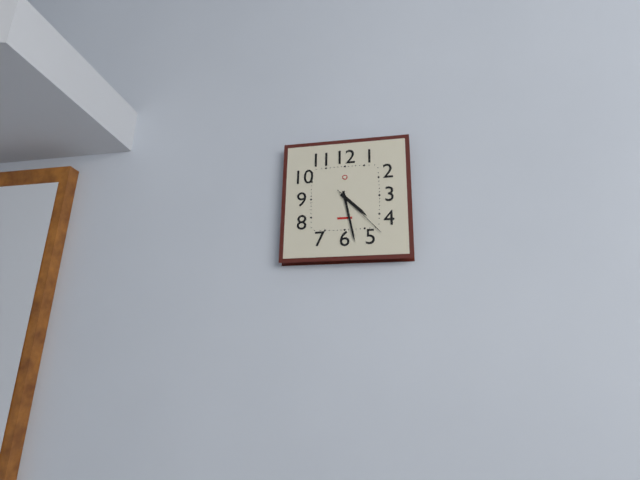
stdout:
{"hour": 4, "minute": 28, "second": 23}
